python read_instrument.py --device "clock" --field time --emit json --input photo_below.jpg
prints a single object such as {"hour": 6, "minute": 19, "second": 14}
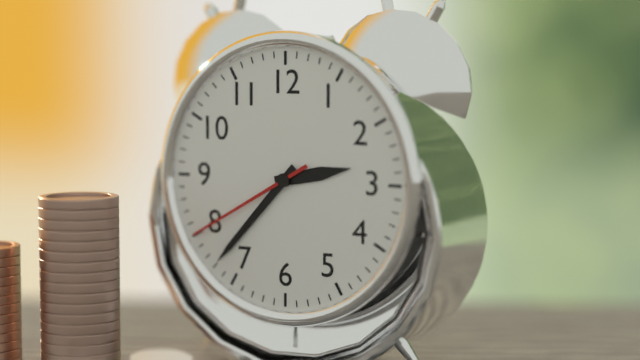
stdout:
{"hour": 2, "minute": 37, "second": 40}
